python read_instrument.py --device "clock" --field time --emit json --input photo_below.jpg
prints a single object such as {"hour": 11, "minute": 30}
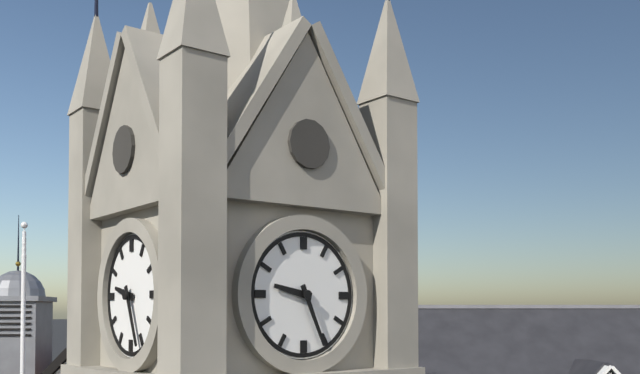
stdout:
{"hour": 9, "minute": 26}
